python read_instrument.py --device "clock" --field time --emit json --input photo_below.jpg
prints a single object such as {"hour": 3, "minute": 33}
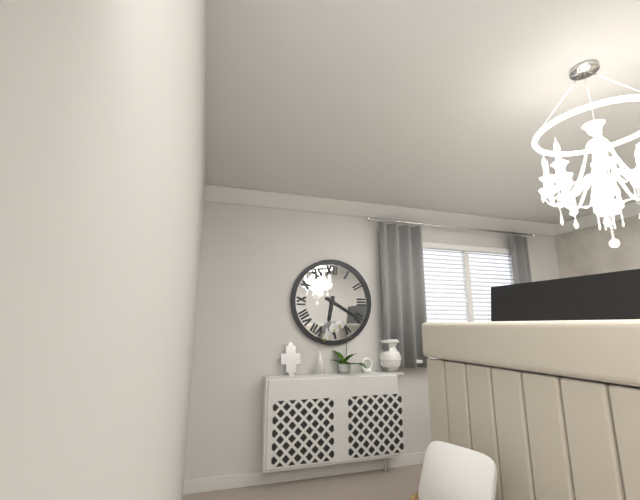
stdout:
{"hour": 6, "minute": 20}
